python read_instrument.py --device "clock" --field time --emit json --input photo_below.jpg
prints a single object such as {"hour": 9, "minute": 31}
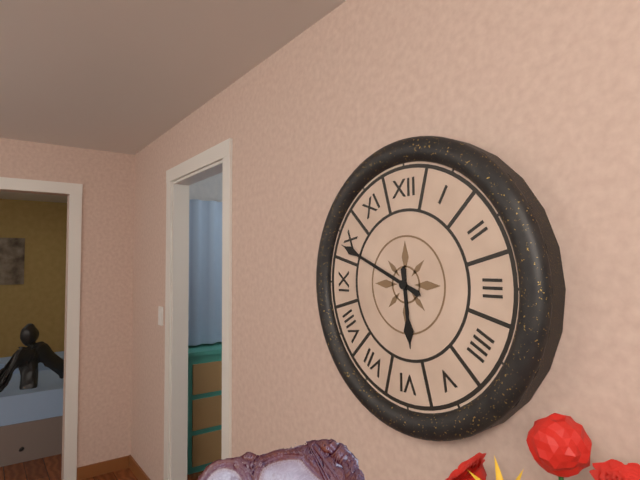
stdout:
{"hour": 5, "minute": 49}
